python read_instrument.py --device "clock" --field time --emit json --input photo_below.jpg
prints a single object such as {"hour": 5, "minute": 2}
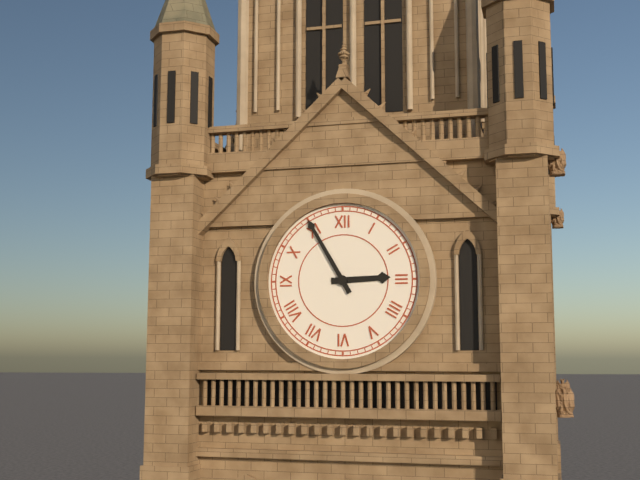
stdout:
{"hour": 2, "minute": 55}
